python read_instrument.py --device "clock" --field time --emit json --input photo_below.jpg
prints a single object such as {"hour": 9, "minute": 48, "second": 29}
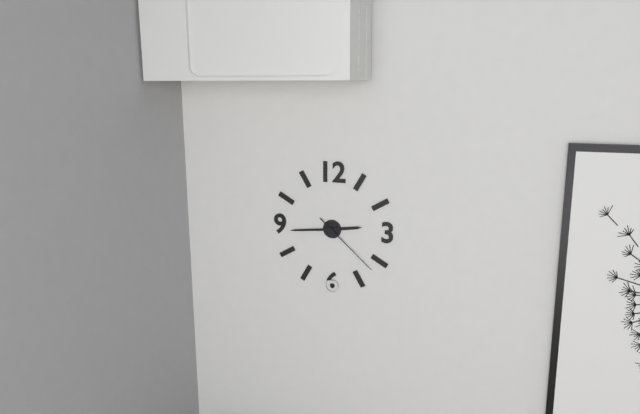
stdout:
{"hour": 2, "minute": 44, "second": 22}
